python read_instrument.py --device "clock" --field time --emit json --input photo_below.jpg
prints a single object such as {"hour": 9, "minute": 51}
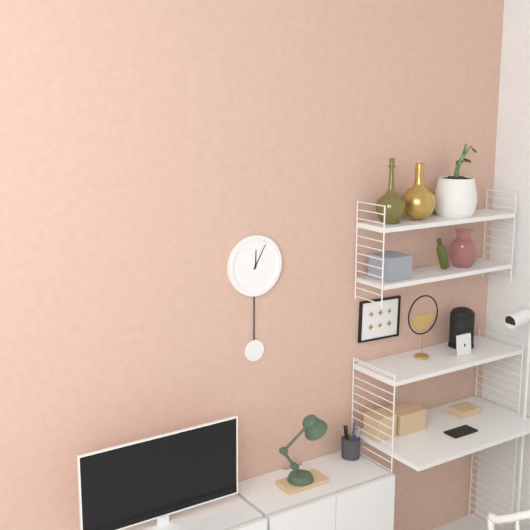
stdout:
{"hour": 12, "minute": 5}
